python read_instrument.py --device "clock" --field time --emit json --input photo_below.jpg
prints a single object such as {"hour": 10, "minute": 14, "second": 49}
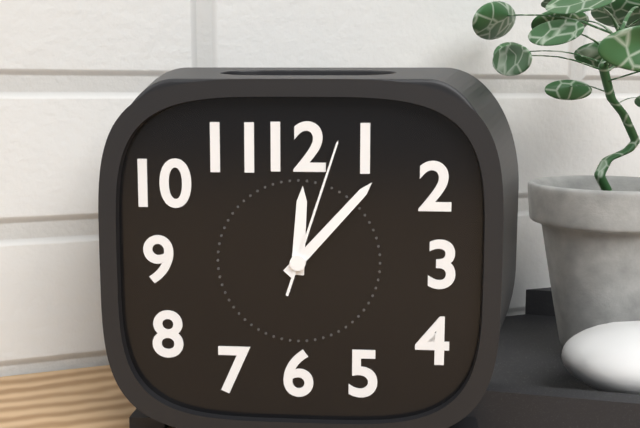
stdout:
{"hour": 12, "minute": 7, "second": 3}
